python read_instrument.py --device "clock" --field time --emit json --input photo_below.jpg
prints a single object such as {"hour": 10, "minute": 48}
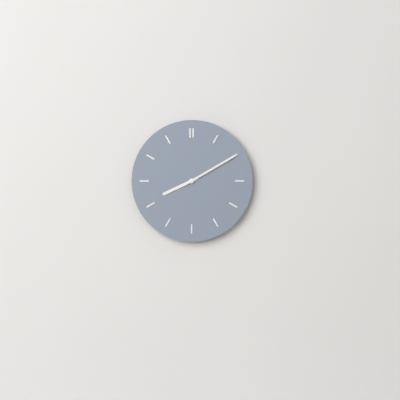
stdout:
{"hour": 8, "minute": 10}
